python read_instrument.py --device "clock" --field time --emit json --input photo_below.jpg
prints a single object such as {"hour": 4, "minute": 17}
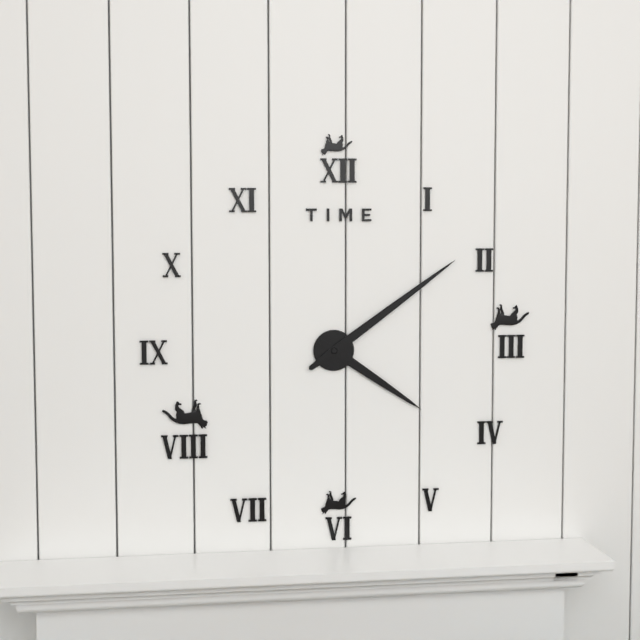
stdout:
{"hour": 4, "minute": 9}
